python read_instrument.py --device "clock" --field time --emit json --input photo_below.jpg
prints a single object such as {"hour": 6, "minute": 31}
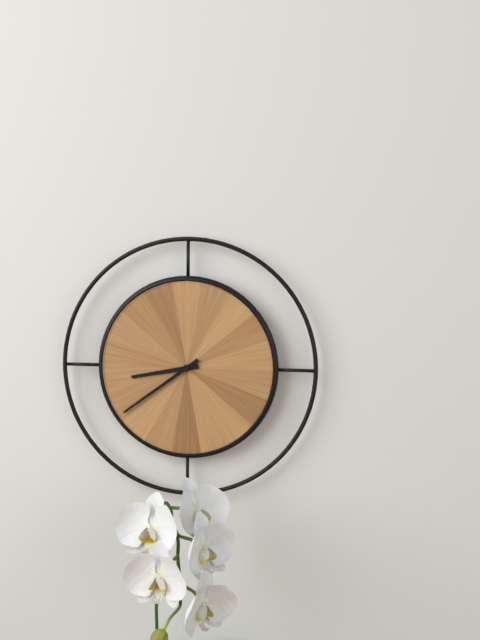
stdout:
{"hour": 8, "minute": 39}
